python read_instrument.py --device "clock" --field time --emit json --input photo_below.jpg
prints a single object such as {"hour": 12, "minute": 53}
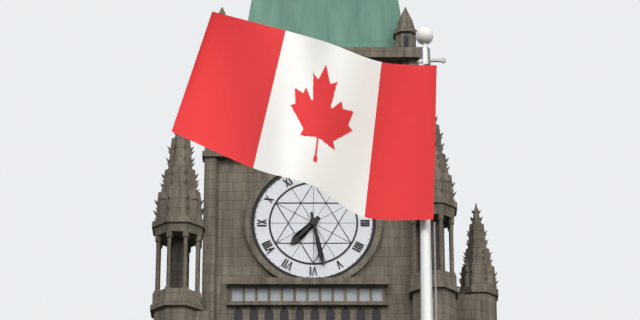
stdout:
{"hour": 7, "minute": 28}
